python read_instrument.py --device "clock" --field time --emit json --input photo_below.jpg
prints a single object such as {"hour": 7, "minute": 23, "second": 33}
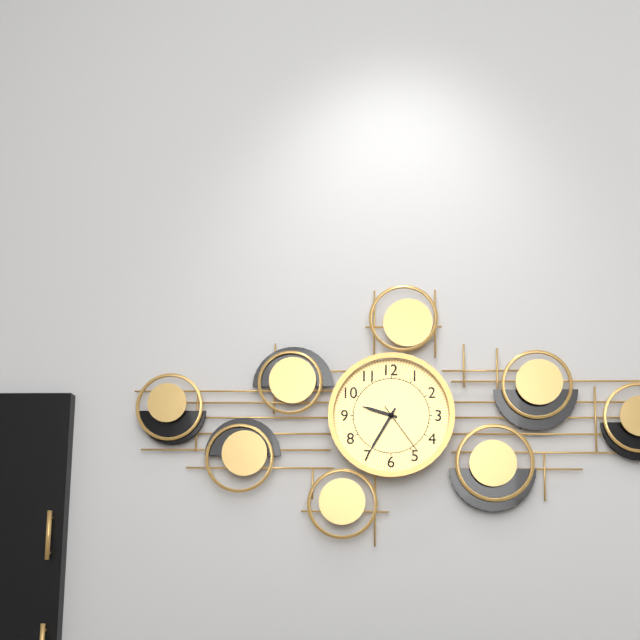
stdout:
{"hour": 9, "minute": 35, "second": 24}
